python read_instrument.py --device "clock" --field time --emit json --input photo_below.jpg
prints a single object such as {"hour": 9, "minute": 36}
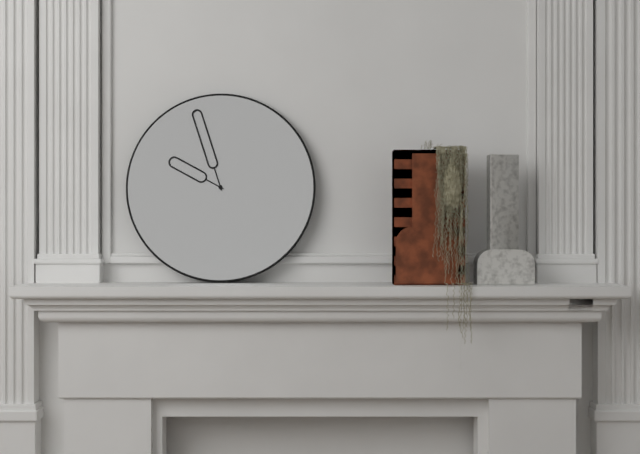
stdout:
{"hour": 9, "minute": 57}
